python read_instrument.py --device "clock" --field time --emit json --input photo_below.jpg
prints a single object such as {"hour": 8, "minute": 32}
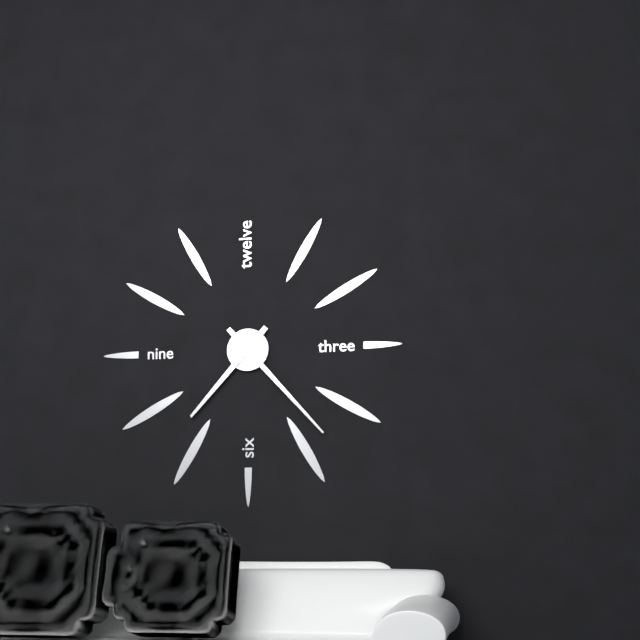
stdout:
{"hour": 7, "minute": 23}
